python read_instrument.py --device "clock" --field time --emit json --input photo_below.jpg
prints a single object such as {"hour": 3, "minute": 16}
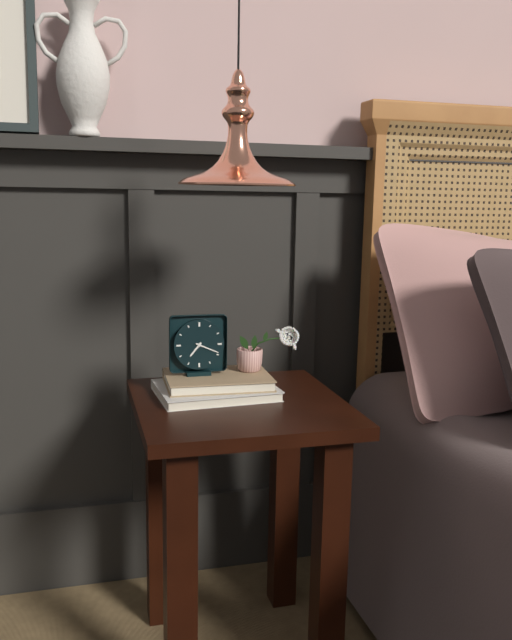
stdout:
{"hour": 7, "minute": 19}
